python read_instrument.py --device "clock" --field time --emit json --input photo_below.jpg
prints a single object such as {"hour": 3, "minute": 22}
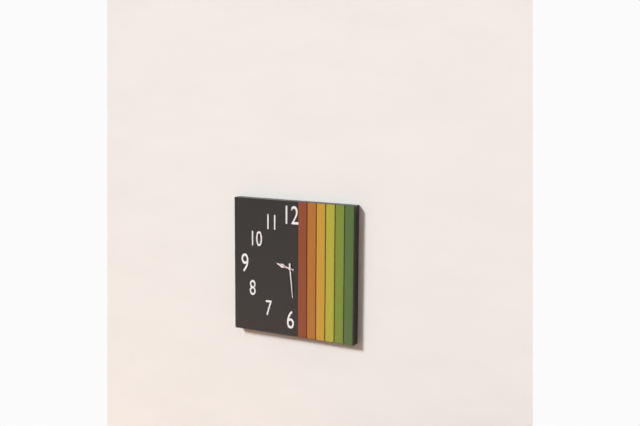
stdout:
{"hour": 9, "minute": 29}
